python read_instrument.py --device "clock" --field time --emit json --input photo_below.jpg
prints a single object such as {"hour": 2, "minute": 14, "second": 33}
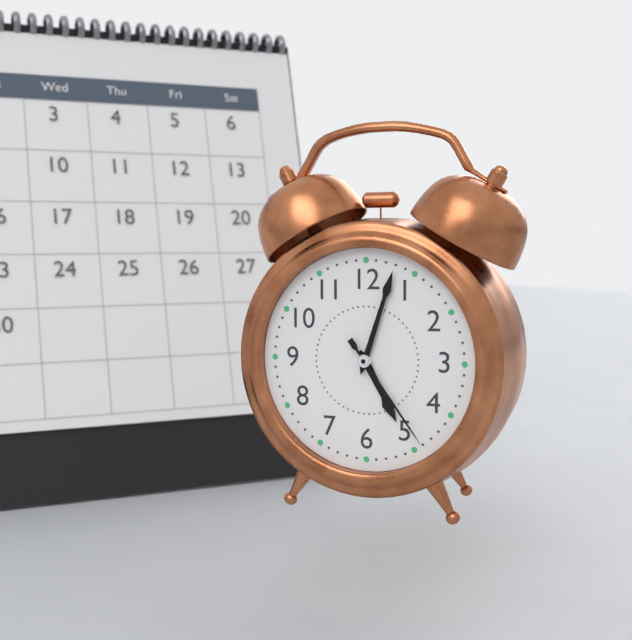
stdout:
{"hour": 5, "minute": 3, "second": 24}
